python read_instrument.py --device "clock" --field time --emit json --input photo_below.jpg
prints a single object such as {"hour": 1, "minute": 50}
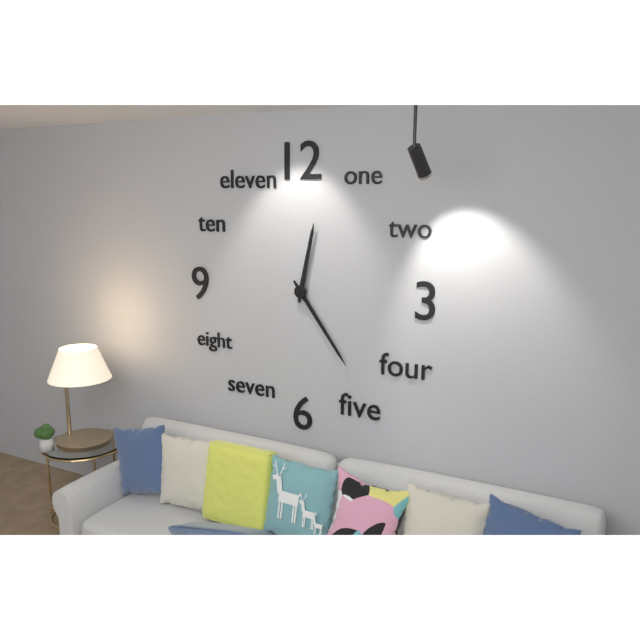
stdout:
{"hour": 12, "minute": 24}
